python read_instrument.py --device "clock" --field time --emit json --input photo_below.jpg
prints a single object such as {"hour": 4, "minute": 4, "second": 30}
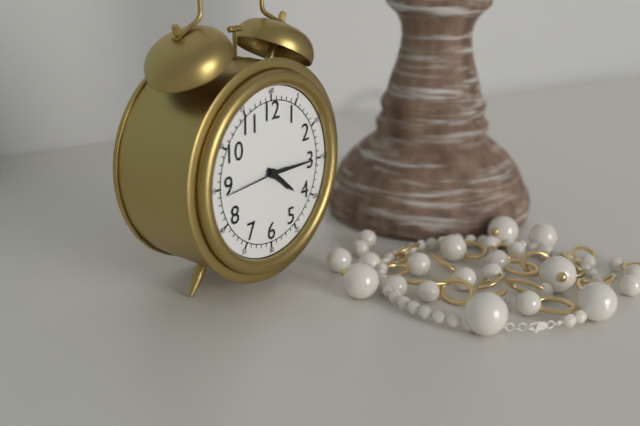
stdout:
{"hour": 4, "minute": 15, "second": 44}
